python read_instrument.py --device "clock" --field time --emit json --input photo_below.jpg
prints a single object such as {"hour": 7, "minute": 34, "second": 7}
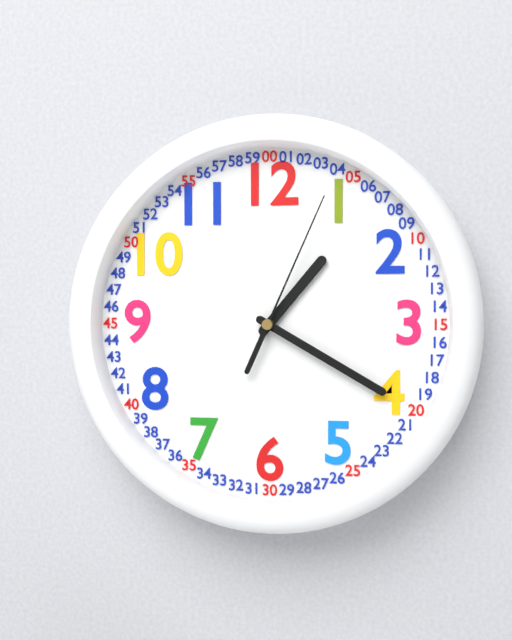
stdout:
{"hour": 1, "minute": 20, "second": 4}
